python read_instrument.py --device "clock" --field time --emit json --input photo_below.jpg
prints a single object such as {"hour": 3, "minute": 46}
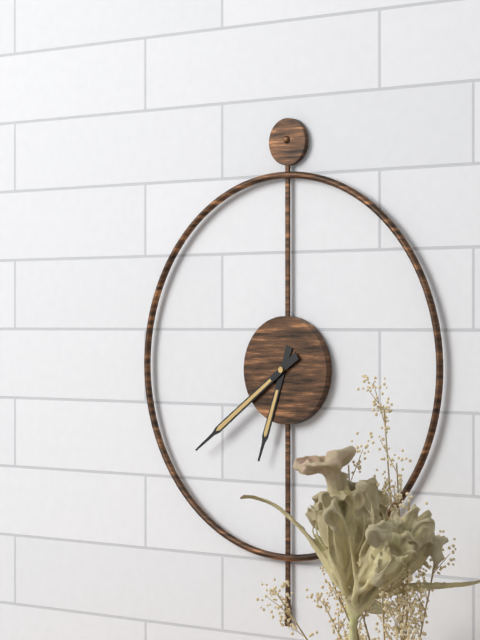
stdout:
{"hour": 6, "minute": 39}
